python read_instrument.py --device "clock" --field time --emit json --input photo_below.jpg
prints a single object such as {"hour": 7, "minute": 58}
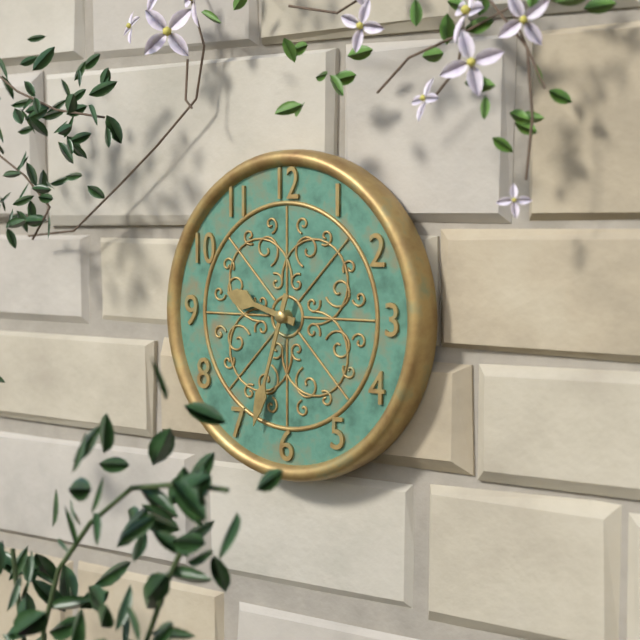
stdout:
{"hour": 9, "minute": 33}
